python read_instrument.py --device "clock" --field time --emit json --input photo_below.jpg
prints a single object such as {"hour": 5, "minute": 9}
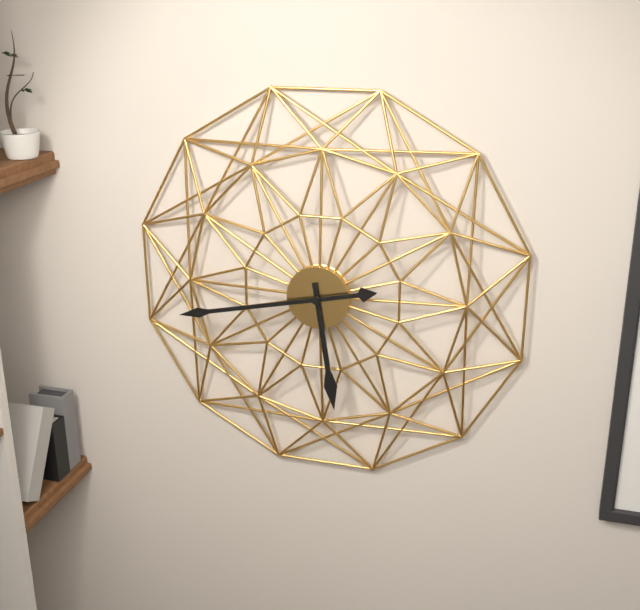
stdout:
{"hour": 5, "minute": 43}
